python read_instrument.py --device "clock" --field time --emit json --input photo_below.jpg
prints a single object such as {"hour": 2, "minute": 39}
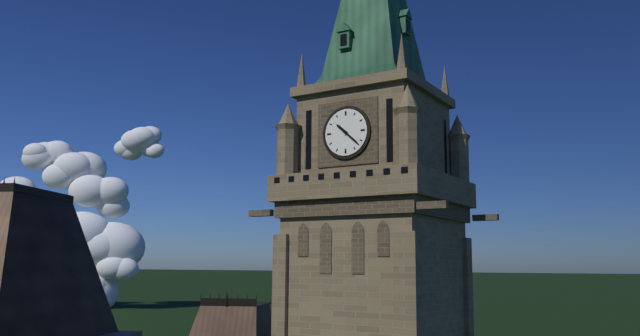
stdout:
{"hour": 10, "minute": 22}
